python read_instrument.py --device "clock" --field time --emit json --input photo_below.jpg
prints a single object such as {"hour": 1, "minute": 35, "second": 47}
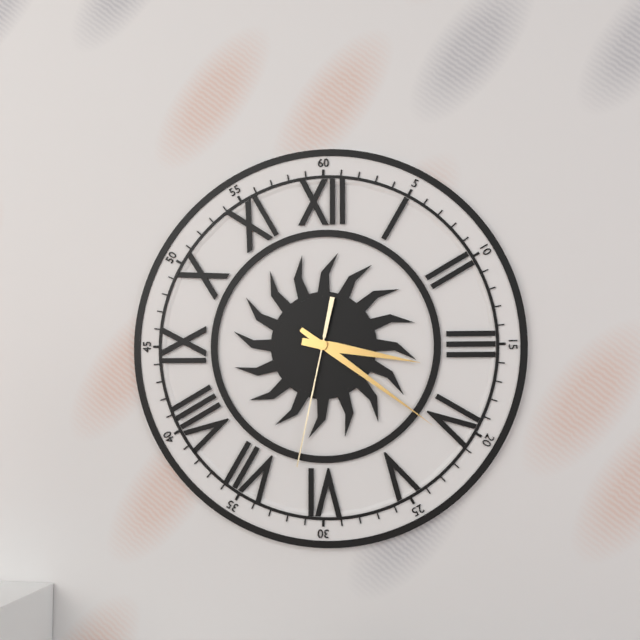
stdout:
{"hour": 3, "minute": 21, "second": 32}
